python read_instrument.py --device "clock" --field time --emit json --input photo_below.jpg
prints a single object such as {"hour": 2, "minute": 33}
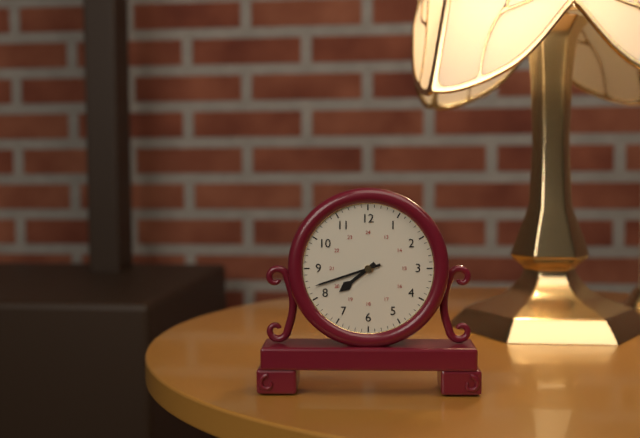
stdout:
{"hour": 7, "minute": 42}
